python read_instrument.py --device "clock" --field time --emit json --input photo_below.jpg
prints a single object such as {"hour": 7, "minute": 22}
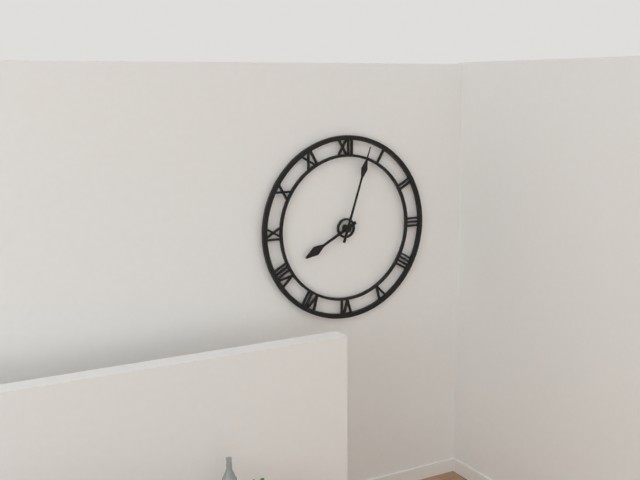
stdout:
{"hour": 8, "minute": 3}
